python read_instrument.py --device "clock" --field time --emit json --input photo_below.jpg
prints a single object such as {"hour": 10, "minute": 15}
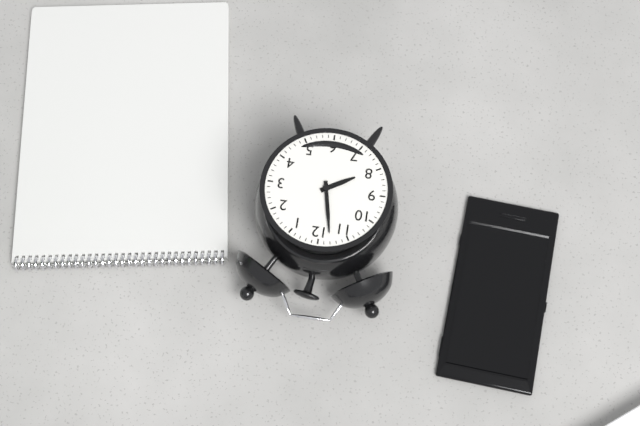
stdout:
{"hour": 7, "minute": 58}
